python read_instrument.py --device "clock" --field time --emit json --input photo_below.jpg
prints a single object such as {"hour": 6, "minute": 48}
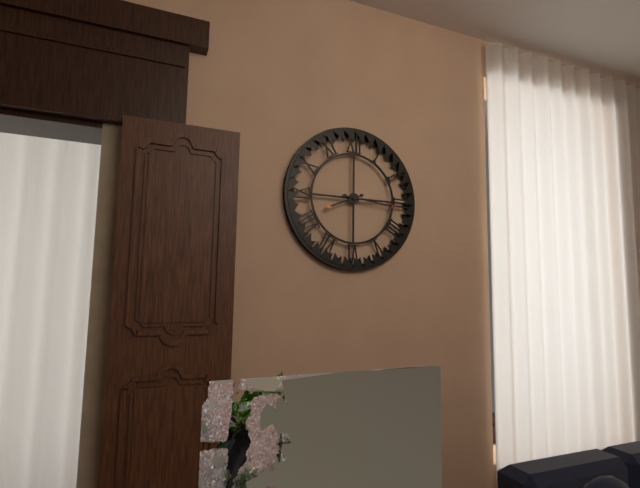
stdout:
{"hour": 8, "minute": 16}
